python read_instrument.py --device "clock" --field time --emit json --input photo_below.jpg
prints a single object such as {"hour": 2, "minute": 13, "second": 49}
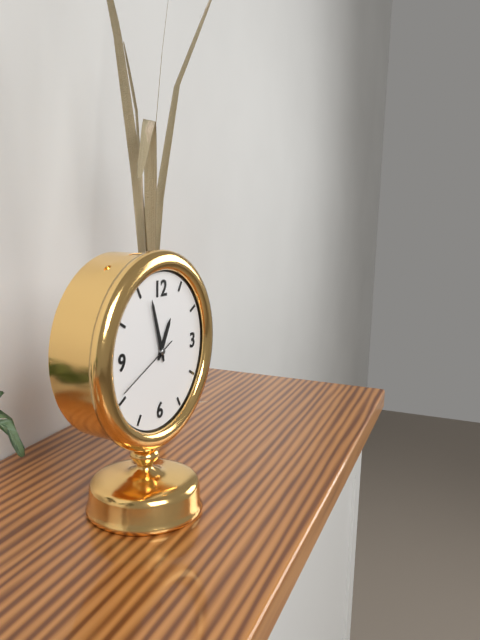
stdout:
{"hour": 12, "minute": 57, "second": 41}
